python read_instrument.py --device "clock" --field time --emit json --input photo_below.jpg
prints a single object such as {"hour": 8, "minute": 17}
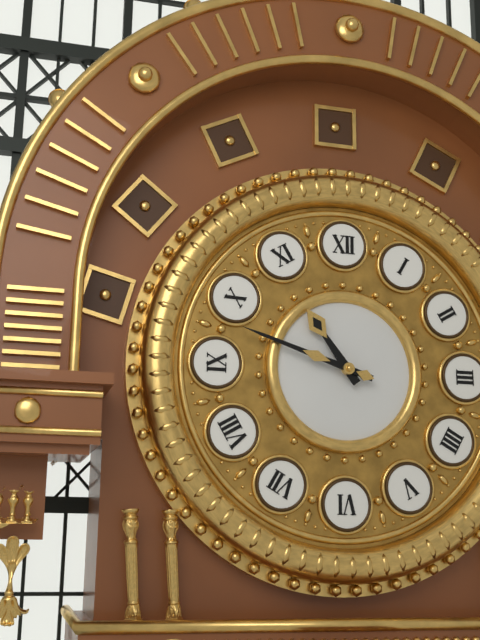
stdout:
{"hour": 10, "minute": 48}
